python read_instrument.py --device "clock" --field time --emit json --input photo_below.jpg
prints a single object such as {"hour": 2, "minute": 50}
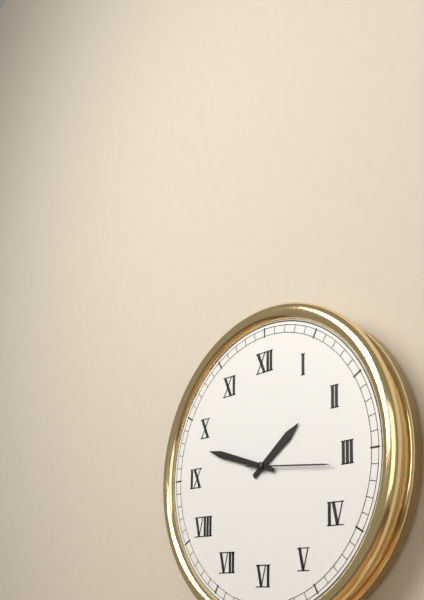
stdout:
{"hour": 1, "minute": 48}
